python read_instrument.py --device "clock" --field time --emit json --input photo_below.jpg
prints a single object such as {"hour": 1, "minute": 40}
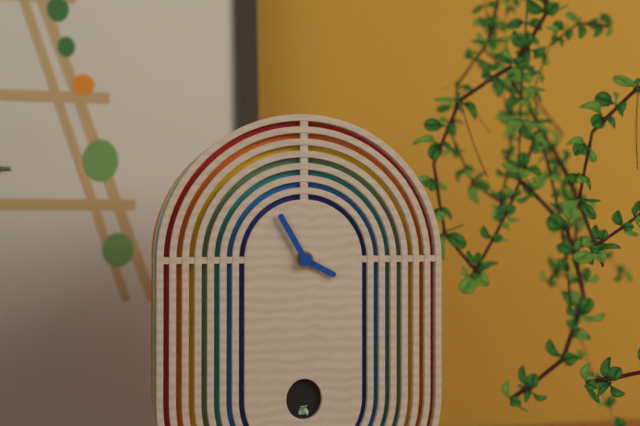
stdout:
{"hour": 3, "minute": 55}
